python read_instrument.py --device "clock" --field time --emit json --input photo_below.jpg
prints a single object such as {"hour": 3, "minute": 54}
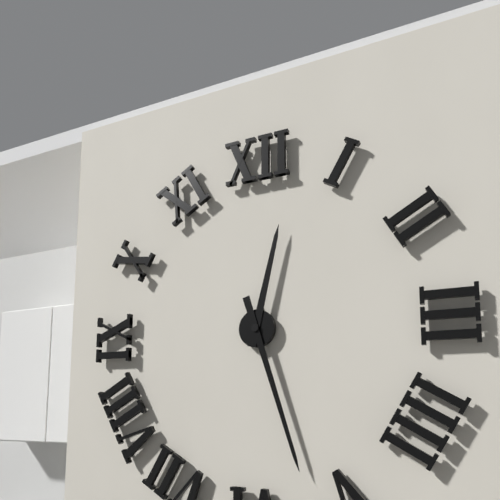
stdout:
{"hour": 12, "minute": 27}
